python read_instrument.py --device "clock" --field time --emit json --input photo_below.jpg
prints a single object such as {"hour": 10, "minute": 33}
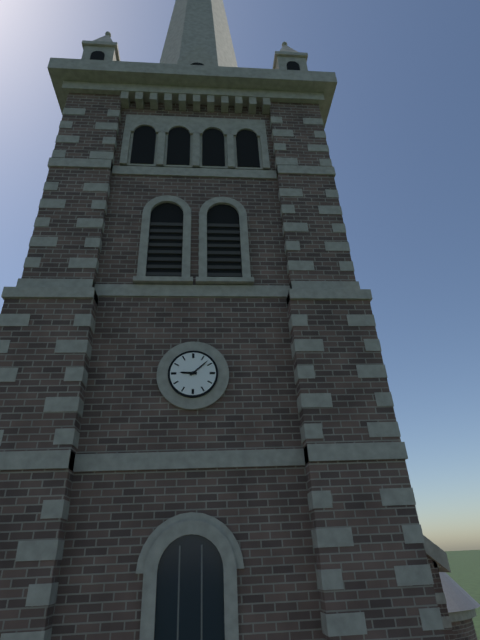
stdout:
{"hour": 9, "minute": 8}
